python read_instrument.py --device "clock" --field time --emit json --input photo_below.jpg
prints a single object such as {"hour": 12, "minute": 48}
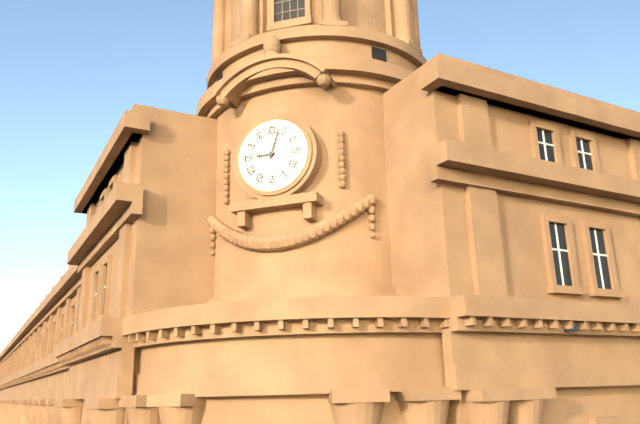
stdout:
{"hour": 9, "minute": 3}
